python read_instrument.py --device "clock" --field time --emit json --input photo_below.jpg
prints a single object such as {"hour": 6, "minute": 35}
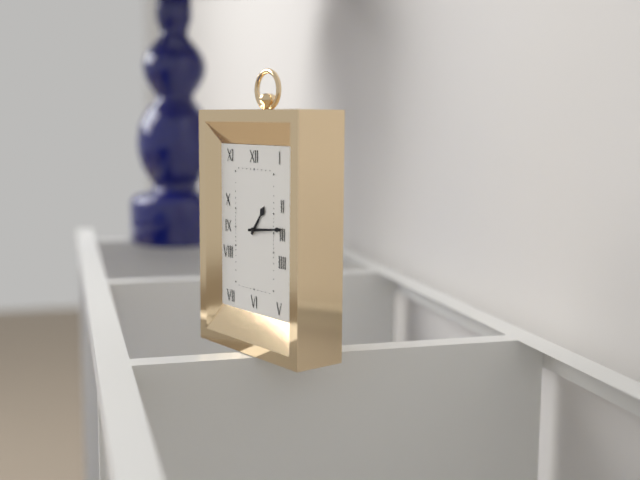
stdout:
{"hour": 1, "minute": 14}
